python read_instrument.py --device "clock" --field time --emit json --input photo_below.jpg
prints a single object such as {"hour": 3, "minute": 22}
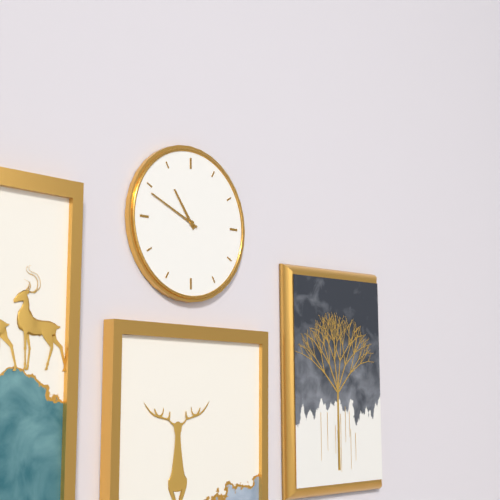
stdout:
{"hour": 10, "minute": 49}
